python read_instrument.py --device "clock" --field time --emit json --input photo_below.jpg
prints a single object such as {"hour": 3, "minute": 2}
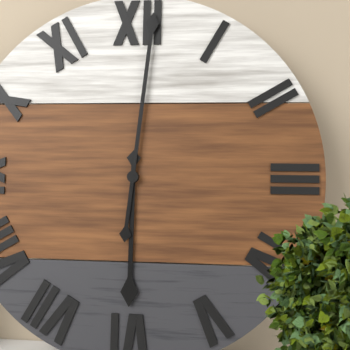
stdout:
{"hour": 6, "minute": 1}
